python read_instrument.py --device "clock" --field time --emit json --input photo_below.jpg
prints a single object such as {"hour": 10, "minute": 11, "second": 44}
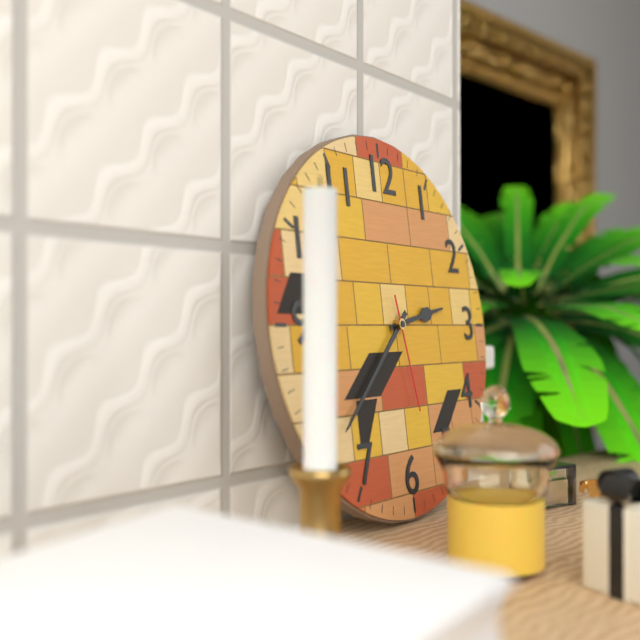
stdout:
{"hour": 2, "minute": 38, "second": 28}
